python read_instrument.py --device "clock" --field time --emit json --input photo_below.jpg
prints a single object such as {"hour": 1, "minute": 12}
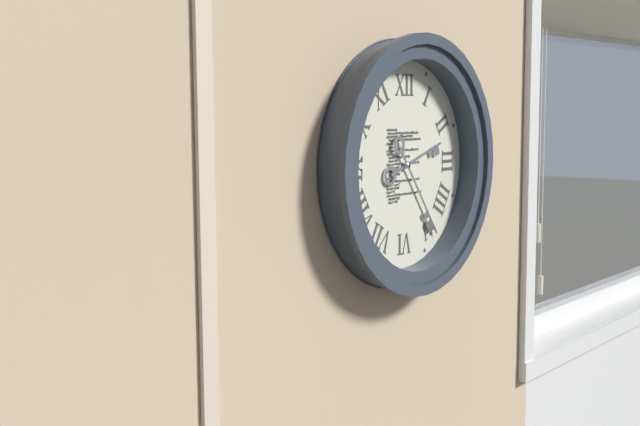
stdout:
{"hour": 2, "minute": 24}
